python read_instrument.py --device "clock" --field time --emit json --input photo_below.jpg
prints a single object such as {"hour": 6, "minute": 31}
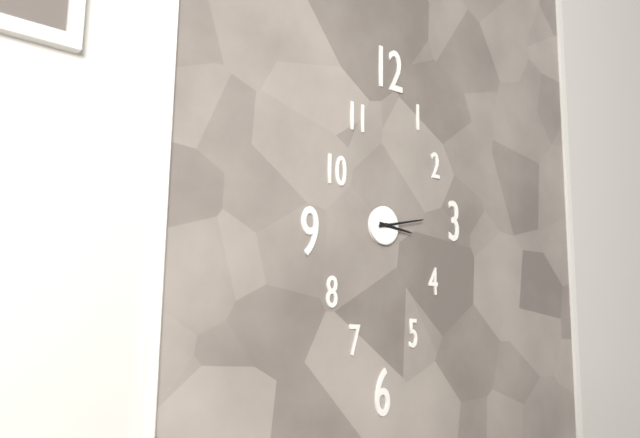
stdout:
{"hour": 3, "minute": 13}
